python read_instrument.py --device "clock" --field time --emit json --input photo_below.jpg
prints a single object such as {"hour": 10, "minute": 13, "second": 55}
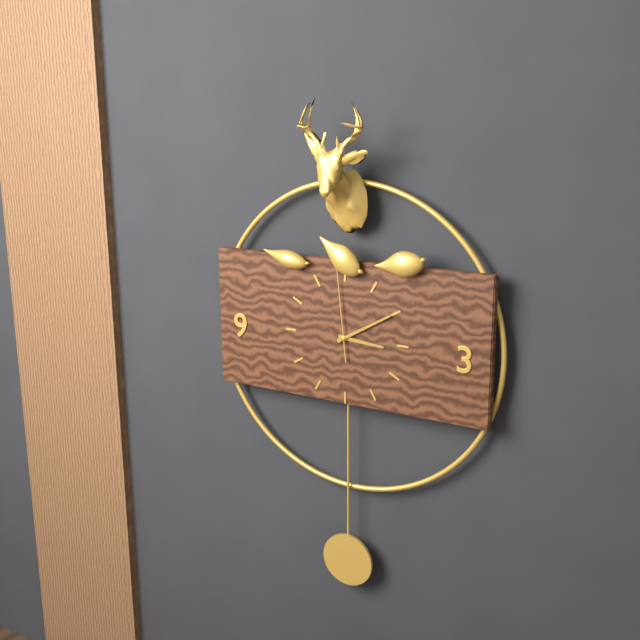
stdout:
{"hour": 3, "minute": 10, "second": 59}
